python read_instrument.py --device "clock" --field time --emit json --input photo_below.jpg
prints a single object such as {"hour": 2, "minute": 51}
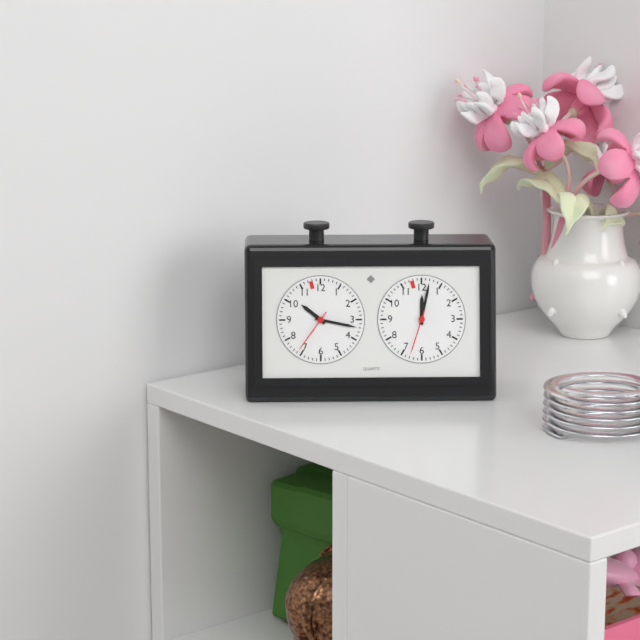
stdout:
{"hour": 10, "minute": 17}
